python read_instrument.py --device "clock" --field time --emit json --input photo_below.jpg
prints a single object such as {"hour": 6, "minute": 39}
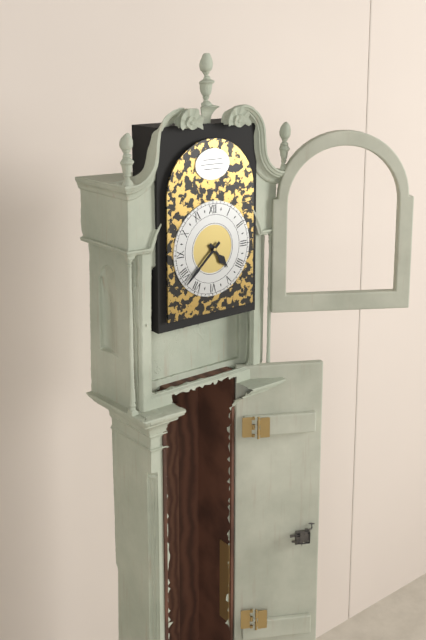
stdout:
{"hour": 4, "minute": 38}
